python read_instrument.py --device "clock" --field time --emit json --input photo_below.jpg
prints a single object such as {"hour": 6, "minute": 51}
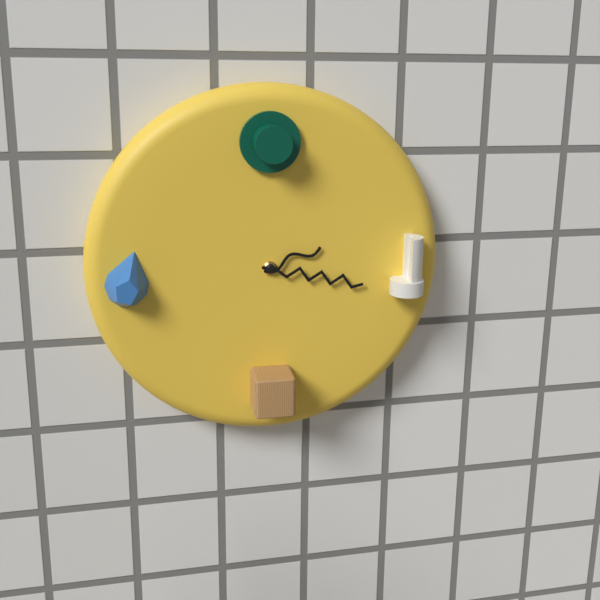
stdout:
{"hour": 2, "minute": 17}
